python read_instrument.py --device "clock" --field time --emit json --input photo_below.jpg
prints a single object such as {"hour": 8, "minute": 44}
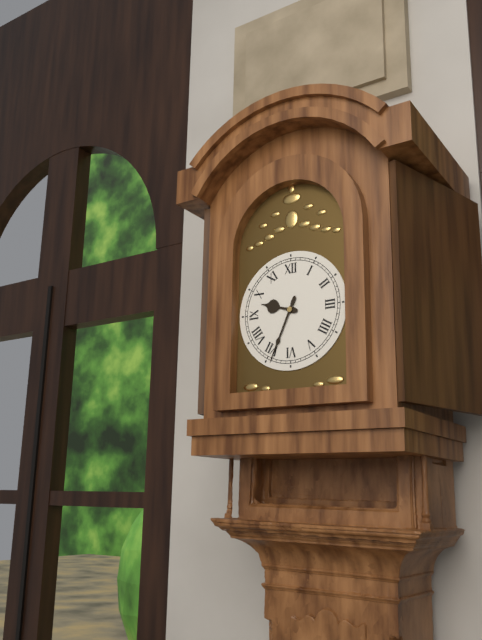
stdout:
{"hour": 9, "minute": 34}
